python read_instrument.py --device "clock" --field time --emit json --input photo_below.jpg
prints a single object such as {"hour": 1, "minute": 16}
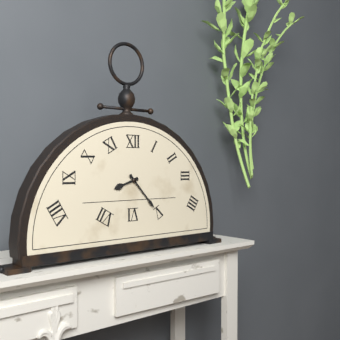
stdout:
{"hour": 8, "minute": 23}
